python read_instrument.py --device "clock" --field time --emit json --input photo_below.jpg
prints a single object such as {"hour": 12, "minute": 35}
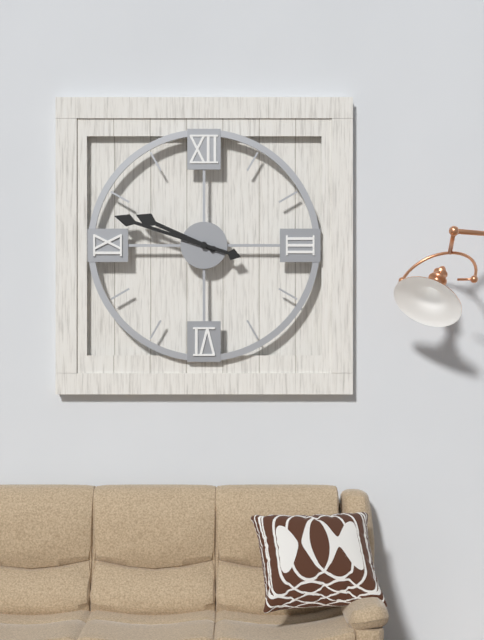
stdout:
{"hour": 9, "minute": 48}
